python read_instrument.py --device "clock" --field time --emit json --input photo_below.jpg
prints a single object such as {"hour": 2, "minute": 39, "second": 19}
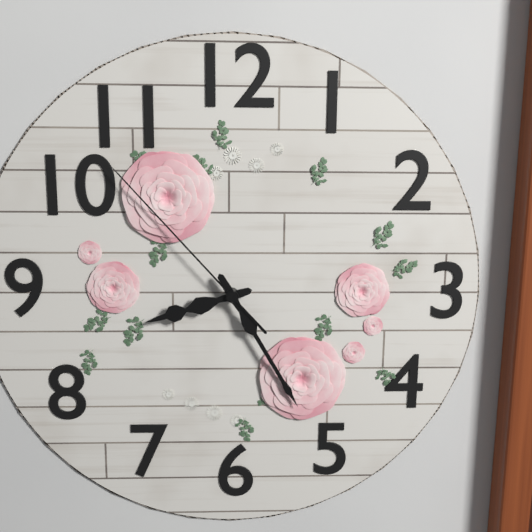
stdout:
{"hour": 8, "minute": 25, "second": 53}
